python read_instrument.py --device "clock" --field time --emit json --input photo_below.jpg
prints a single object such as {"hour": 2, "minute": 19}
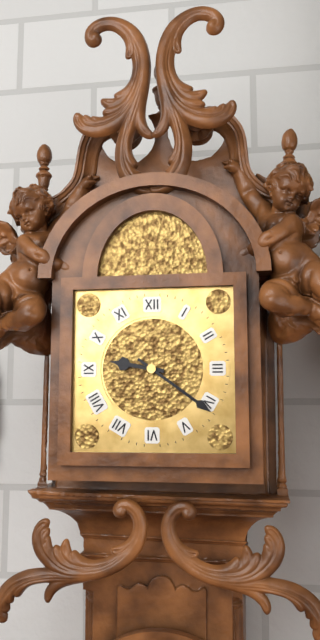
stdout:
{"hour": 9, "minute": 21}
